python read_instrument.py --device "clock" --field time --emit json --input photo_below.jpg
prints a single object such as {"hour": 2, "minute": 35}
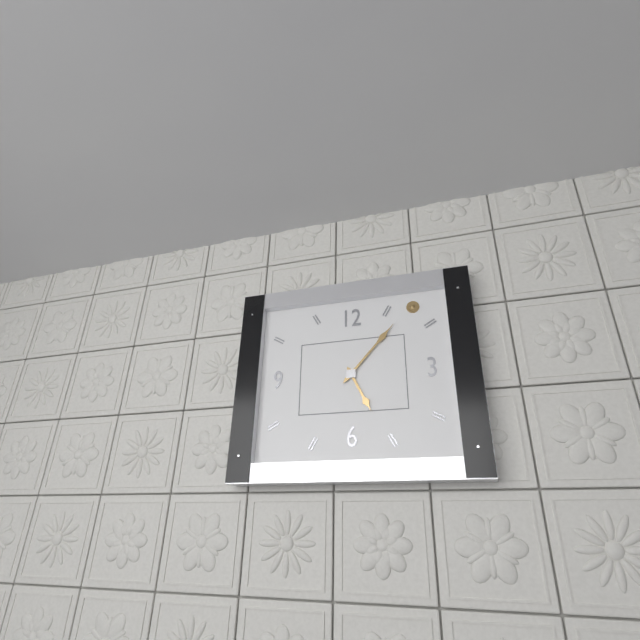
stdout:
{"hour": 5, "minute": 7}
